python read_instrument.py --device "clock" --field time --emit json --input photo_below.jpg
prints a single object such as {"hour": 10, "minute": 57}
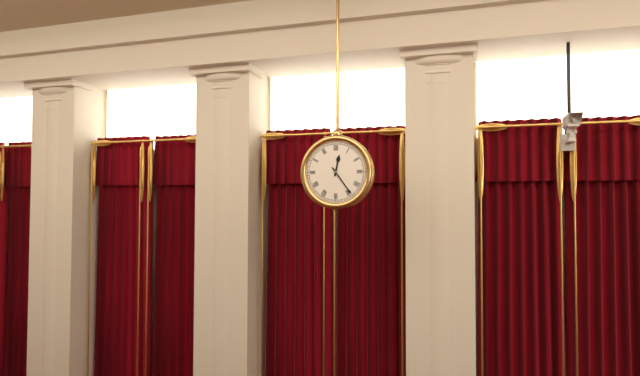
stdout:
{"hour": 12, "minute": 24}
